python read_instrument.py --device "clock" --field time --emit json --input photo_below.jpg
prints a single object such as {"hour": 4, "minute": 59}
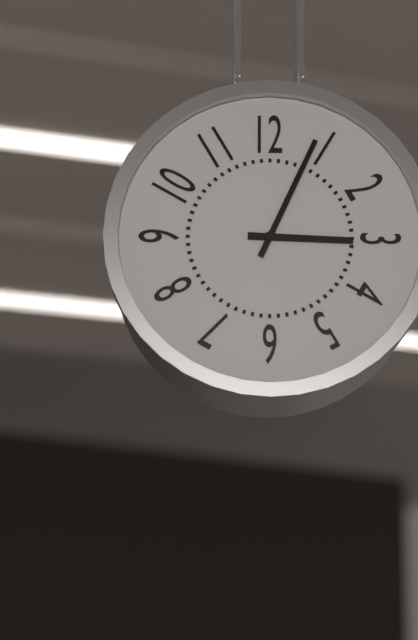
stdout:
{"hour": 3, "minute": 4}
